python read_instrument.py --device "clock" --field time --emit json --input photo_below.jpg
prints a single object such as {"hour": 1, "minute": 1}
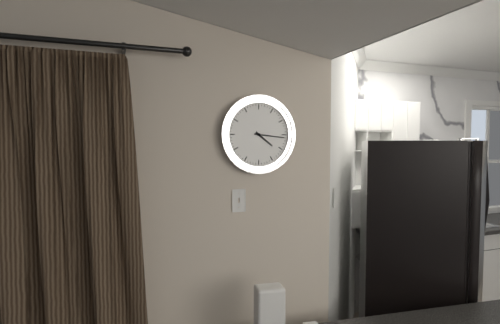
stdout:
{"hour": 4, "minute": 16}
